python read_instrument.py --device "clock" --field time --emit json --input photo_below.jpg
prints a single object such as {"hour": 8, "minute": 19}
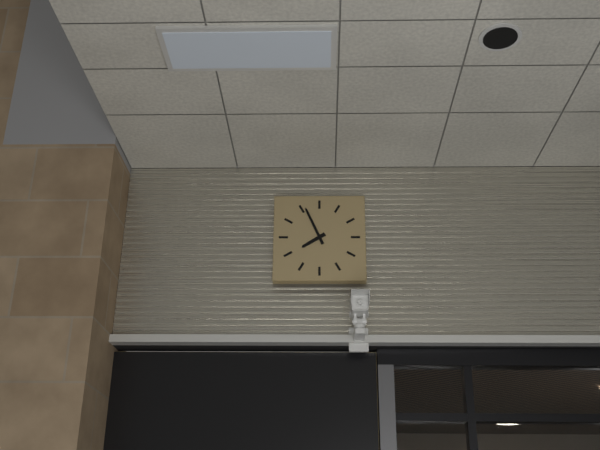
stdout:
{"hour": 7, "minute": 56}
